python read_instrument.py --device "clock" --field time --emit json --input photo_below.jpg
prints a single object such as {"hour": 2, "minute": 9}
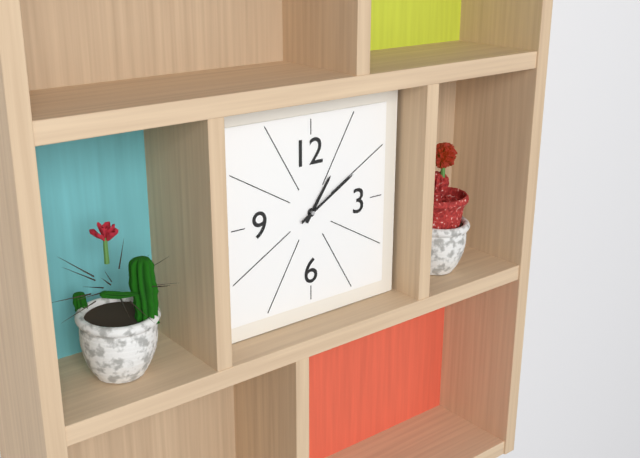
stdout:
{"hour": 1, "minute": 10}
